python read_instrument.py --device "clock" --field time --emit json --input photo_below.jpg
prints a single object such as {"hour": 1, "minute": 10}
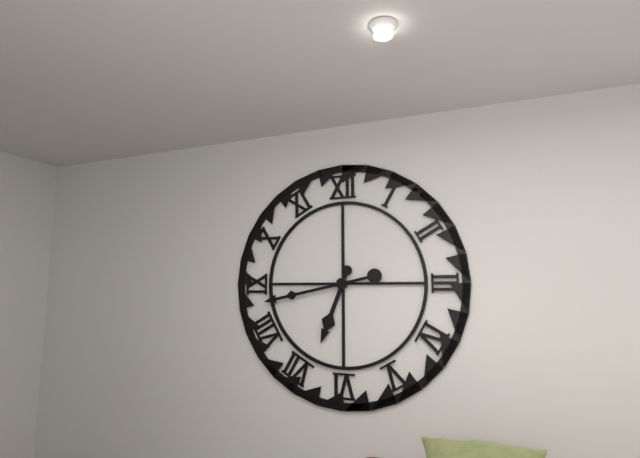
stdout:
{"hour": 6, "minute": 43}
